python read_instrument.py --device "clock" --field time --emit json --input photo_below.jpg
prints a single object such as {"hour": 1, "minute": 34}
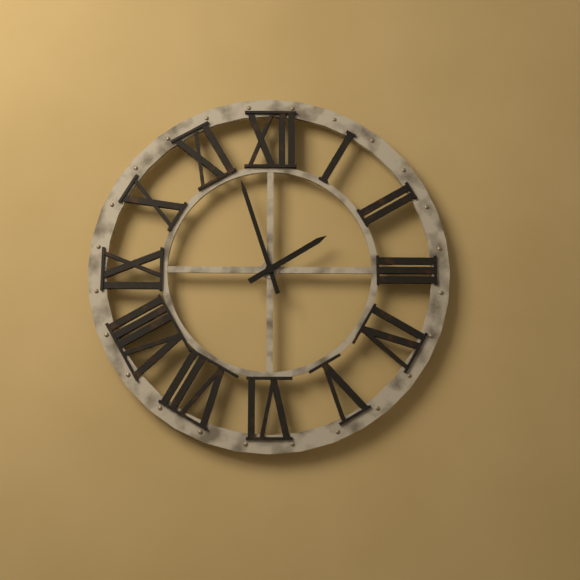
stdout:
{"hour": 1, "minute": 57}
